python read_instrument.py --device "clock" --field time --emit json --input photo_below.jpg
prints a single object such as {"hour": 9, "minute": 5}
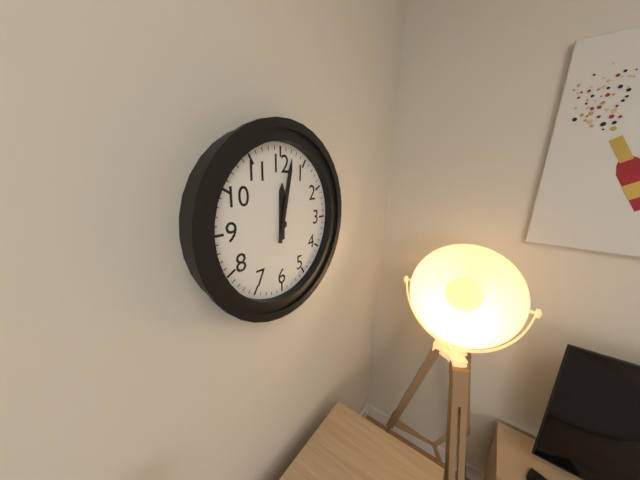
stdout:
{"hour": 12, "minute": 2}
